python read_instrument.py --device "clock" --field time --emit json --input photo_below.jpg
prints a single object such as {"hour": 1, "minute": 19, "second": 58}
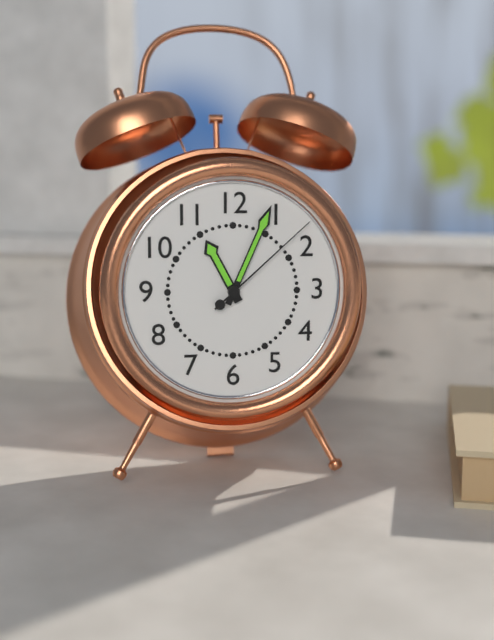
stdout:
{"hour": 11, "minute": 4, "second": 8}
